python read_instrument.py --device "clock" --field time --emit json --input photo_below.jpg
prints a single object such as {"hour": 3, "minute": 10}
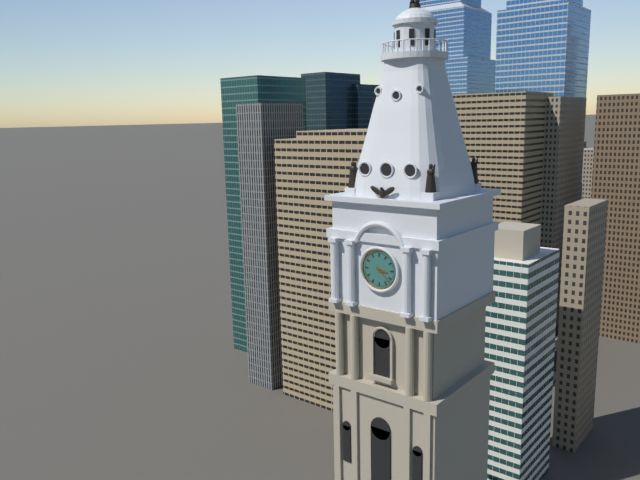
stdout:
{"hour": 3, "minute": 22}
